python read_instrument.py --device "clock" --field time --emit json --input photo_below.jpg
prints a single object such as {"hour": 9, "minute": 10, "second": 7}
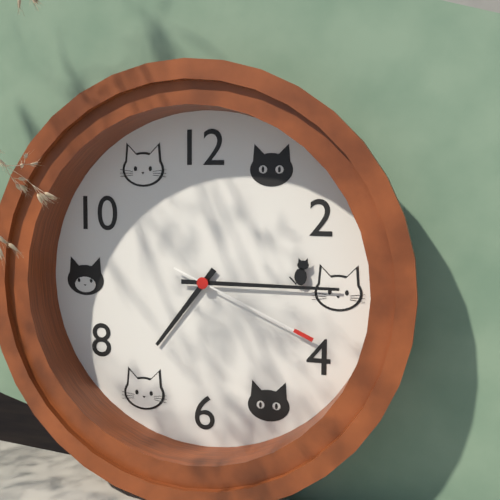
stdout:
{"hour": 7, "minute": 15, "second": 19}
